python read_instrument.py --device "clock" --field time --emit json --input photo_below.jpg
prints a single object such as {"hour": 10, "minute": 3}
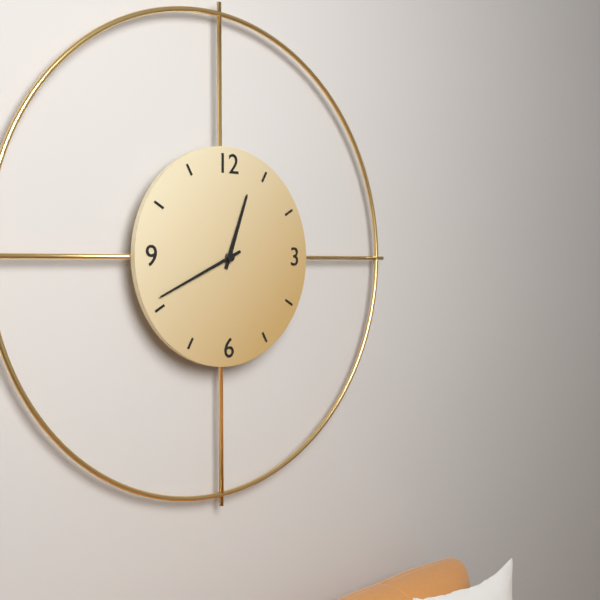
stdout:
{"hour": 12, "minute": 41}
